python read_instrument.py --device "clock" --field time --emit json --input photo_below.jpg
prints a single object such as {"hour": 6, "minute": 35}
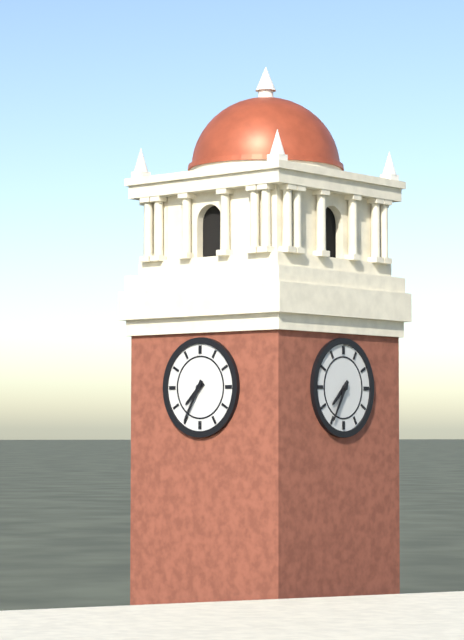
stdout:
{"hour": 7, "minute": 35}
